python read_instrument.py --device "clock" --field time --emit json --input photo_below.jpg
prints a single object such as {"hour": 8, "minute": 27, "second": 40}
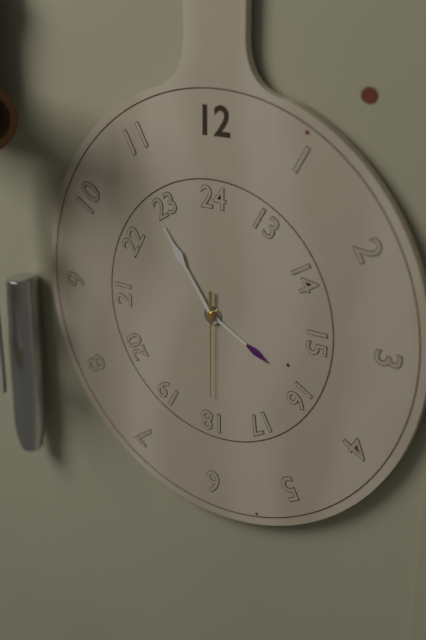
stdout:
{"hour": 3, "minute": 54, "second": 30}
